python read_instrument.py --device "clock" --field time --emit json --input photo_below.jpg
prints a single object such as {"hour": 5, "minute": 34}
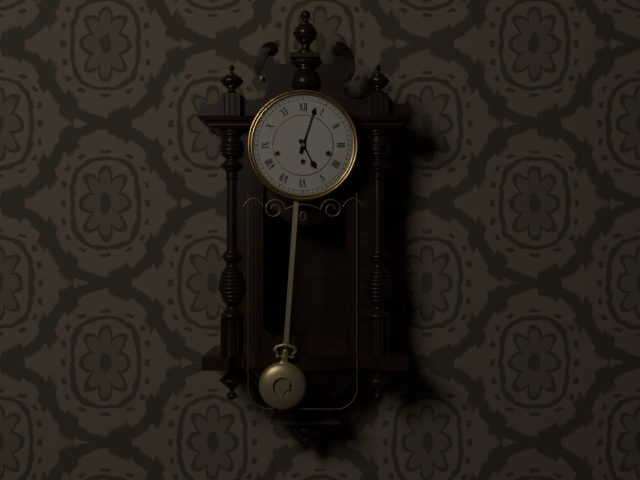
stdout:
{"hour": 5, "minute": 3}
